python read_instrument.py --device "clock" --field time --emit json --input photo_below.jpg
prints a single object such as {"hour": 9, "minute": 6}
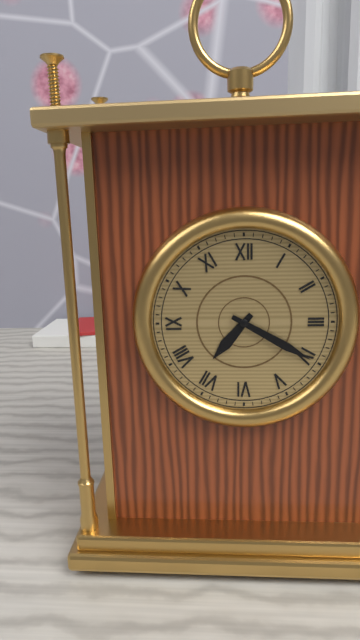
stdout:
{"hour": 7, "minute": 20}
